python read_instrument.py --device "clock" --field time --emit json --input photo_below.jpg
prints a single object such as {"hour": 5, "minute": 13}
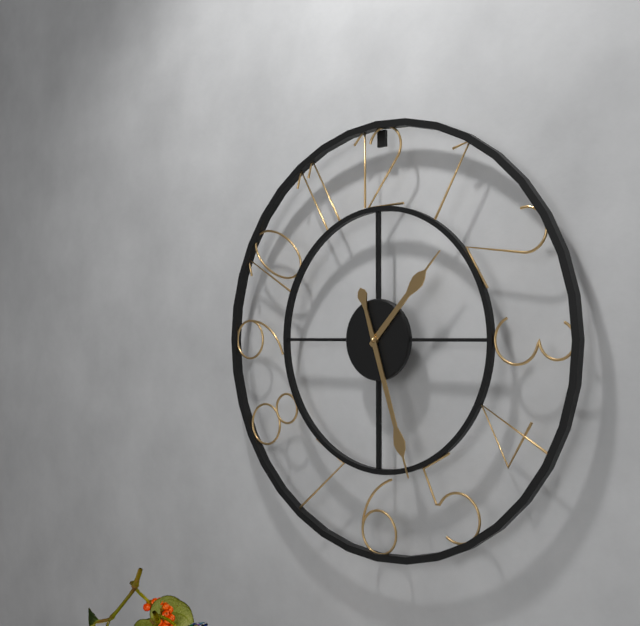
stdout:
{"hour": 1, "minute": 27}
